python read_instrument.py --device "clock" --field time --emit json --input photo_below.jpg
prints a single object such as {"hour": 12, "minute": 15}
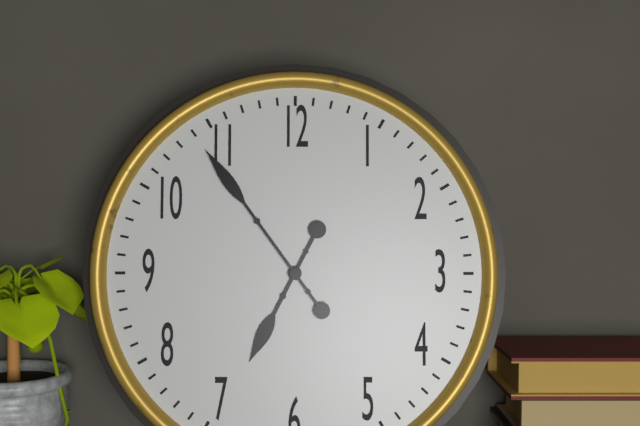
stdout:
{"hour": 6, "minute": 54}
